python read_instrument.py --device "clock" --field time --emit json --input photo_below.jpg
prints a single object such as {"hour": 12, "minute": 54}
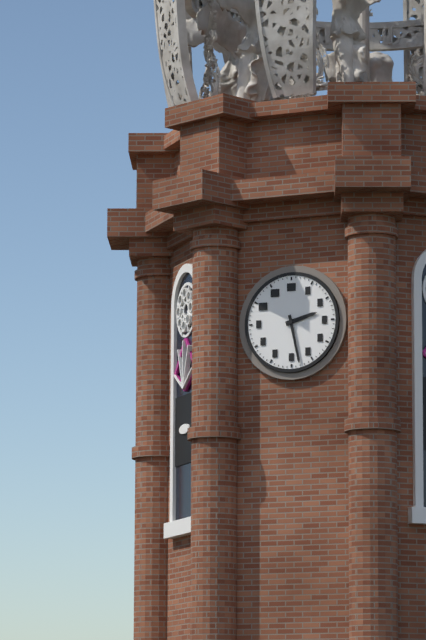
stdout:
{"hour": 2, "minute": 28}
